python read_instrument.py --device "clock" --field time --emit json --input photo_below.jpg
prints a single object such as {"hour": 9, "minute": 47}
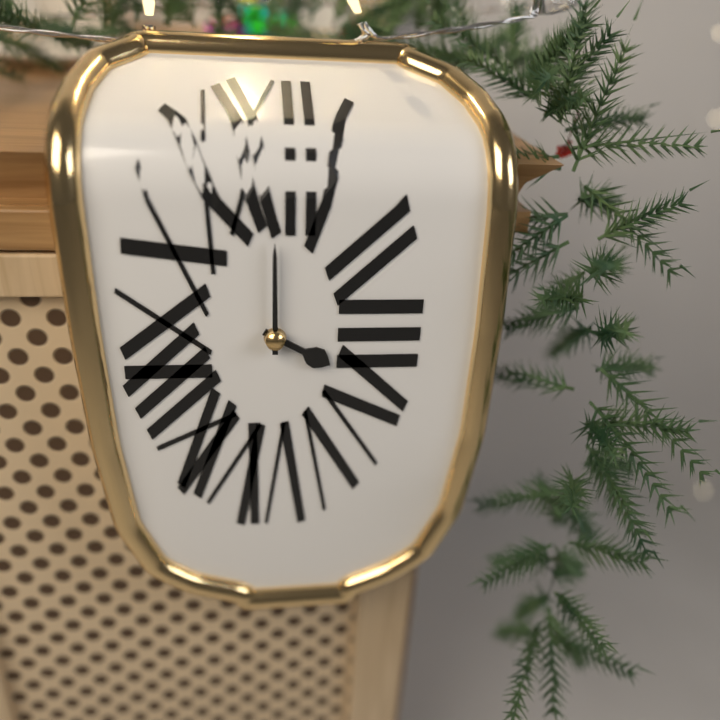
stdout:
{"hour": 4, "minute": 0}
